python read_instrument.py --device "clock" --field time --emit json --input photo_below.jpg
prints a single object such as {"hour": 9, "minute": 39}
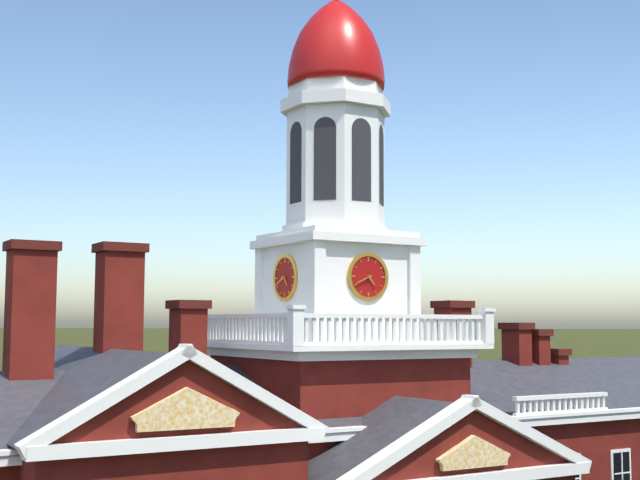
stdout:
{"hour": 4, "minute": 41}
